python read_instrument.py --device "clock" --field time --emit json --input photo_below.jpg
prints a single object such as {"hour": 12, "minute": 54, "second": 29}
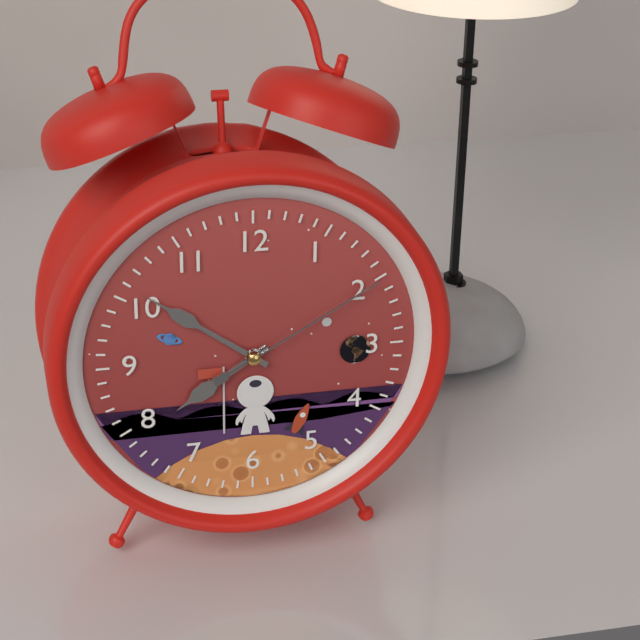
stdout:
{"hour": 7, "minute": 51, "second": 10}
